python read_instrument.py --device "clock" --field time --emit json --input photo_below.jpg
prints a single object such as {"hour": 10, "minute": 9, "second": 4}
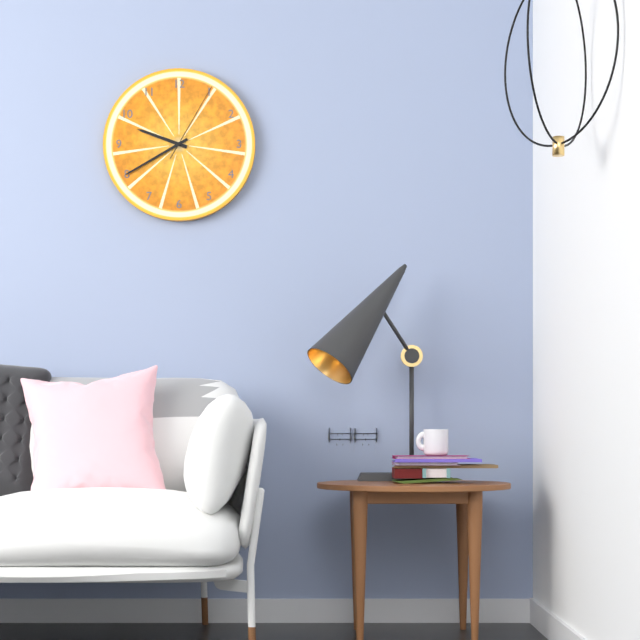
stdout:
{"hour": 9, "minute": 40, "second": 5}
